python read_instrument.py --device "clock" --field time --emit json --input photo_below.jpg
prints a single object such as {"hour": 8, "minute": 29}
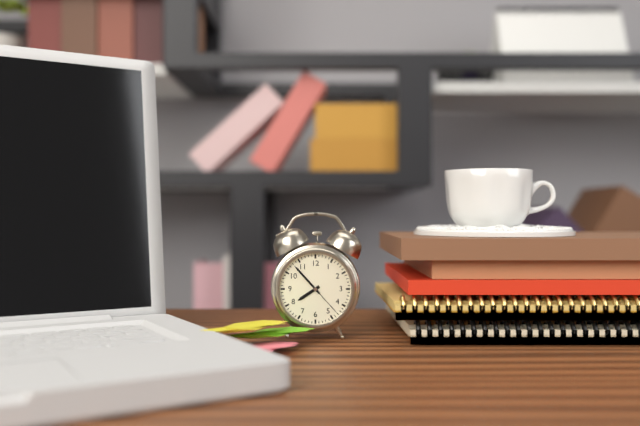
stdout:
{"hour": 7, "minute": 53}
